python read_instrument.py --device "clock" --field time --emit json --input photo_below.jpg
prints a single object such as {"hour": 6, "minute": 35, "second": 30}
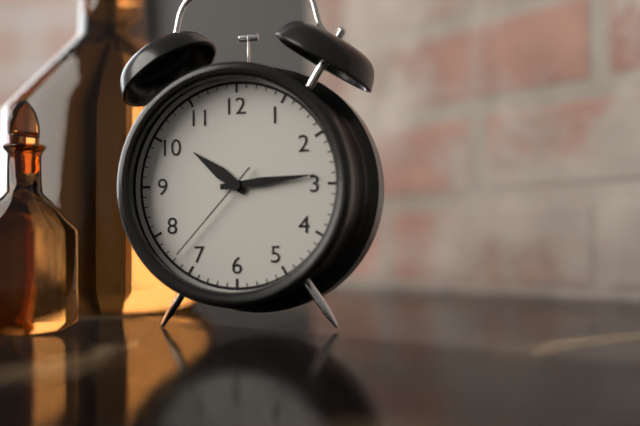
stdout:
{"hour": 10, "minute": 14, "second": 37}
